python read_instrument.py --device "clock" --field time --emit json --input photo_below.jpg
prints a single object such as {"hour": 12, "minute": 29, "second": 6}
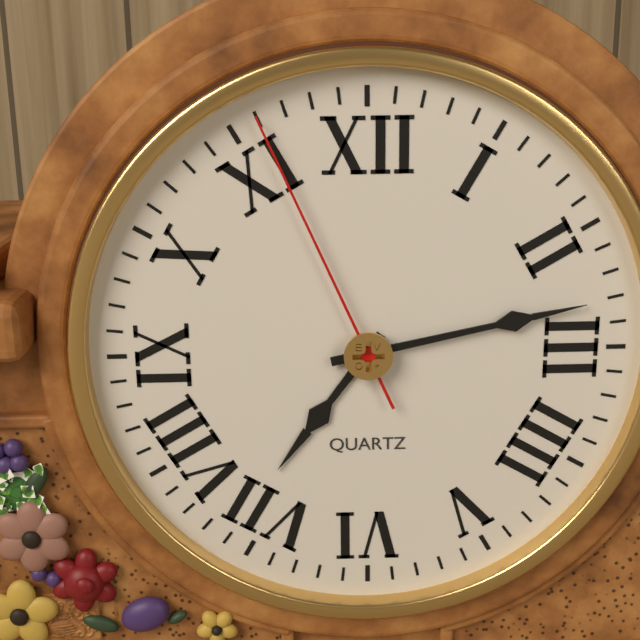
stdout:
{"hour": 7, "minute": 13, "second": 56}
